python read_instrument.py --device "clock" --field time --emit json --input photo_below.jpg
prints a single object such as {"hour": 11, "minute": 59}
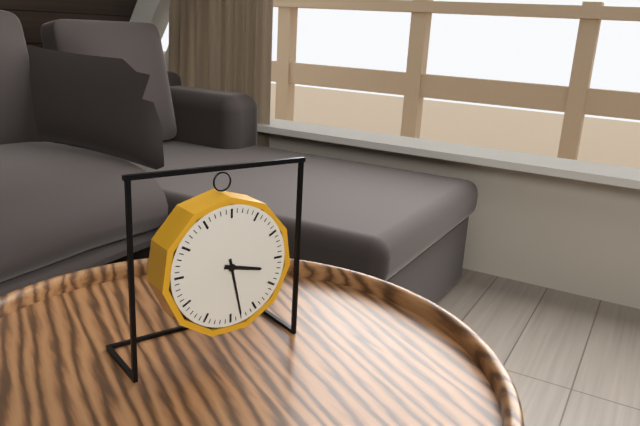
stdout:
{"hour": 3, "minute": 28}
